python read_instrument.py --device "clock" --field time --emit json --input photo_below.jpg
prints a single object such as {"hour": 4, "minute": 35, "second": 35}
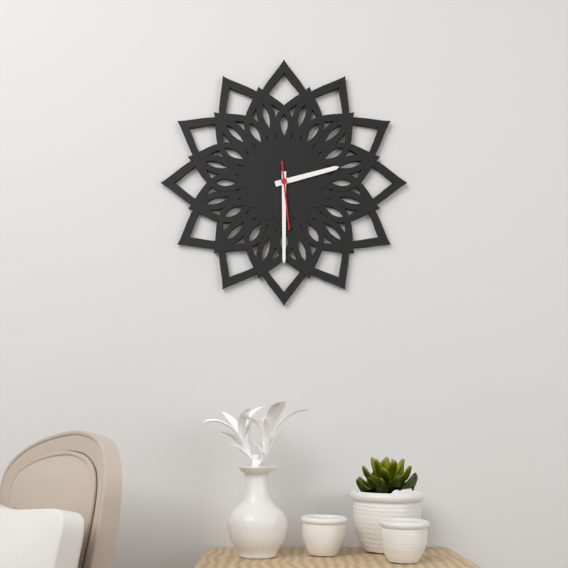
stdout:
{"hour": 2, "minute": 30, "second": 29}
